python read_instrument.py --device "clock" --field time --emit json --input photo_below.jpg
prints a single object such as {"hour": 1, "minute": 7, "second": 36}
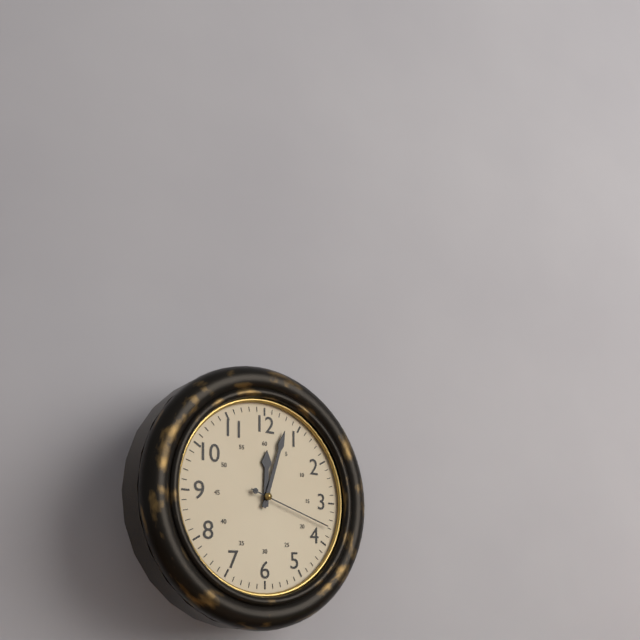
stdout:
{"hour": 12, "minute": 3, "second": 18}
